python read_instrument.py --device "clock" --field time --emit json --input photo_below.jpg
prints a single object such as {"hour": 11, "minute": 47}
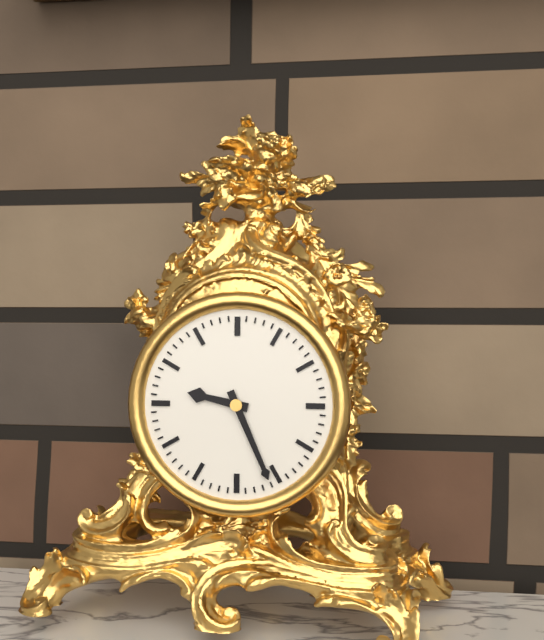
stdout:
{"hour": 9, "minute": 26}
